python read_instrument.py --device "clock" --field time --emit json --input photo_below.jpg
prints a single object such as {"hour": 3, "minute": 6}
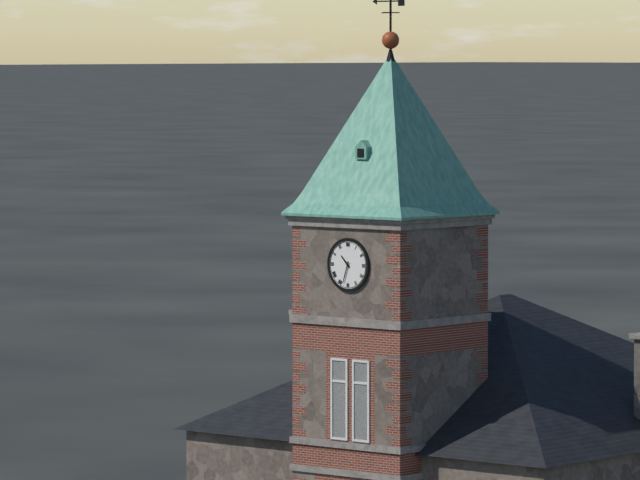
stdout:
{"hour": 10, "minute": 33}
